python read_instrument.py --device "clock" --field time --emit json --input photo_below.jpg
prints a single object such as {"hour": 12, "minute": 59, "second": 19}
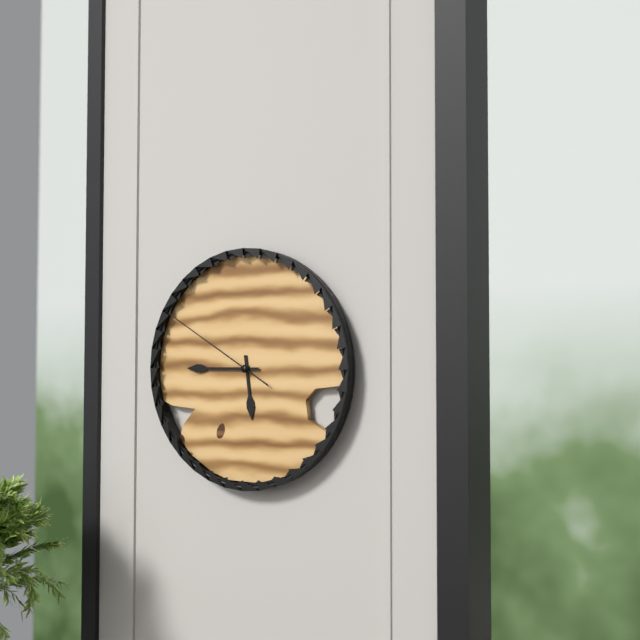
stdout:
{"hour": 5, "minute": 45, "second": 50}
